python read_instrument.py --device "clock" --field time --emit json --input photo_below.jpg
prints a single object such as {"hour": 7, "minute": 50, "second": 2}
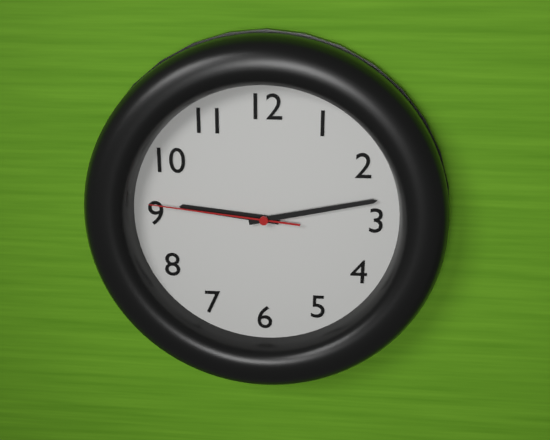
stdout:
{"hour": 9, "minute": 13, "second": 46}
